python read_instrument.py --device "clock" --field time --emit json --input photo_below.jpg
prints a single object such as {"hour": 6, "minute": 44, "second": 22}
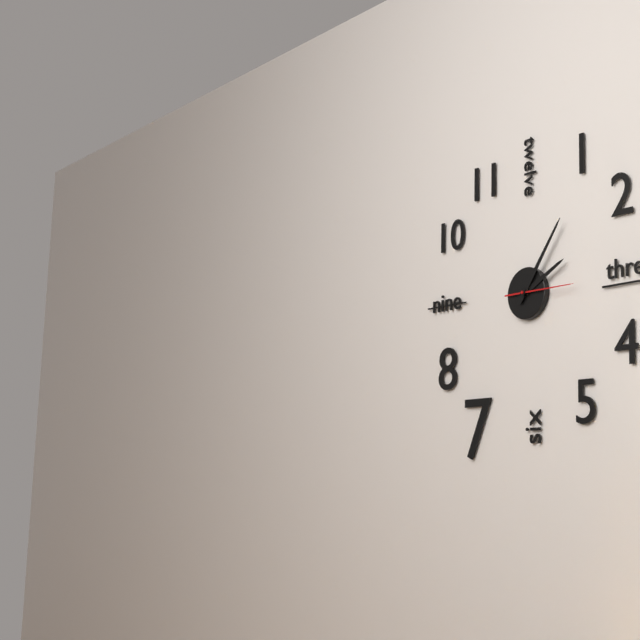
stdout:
{"hour": 2, "minute": 6, "second": 15}
